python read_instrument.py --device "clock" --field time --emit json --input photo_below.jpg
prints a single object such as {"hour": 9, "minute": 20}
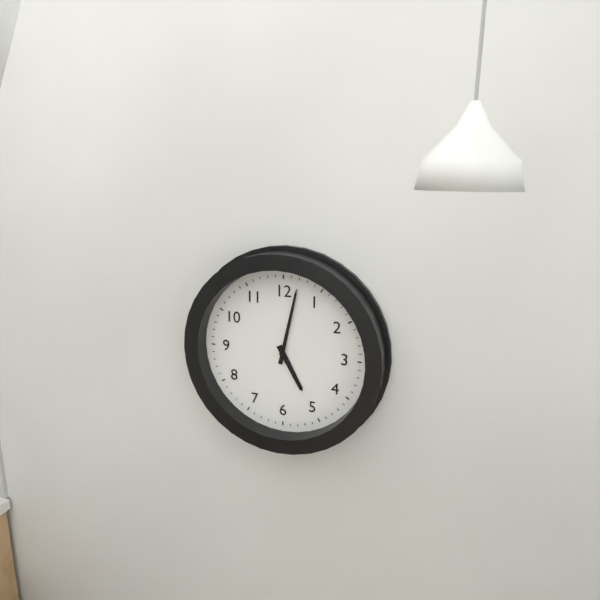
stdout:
{"hour": 5, "minute": 2}
